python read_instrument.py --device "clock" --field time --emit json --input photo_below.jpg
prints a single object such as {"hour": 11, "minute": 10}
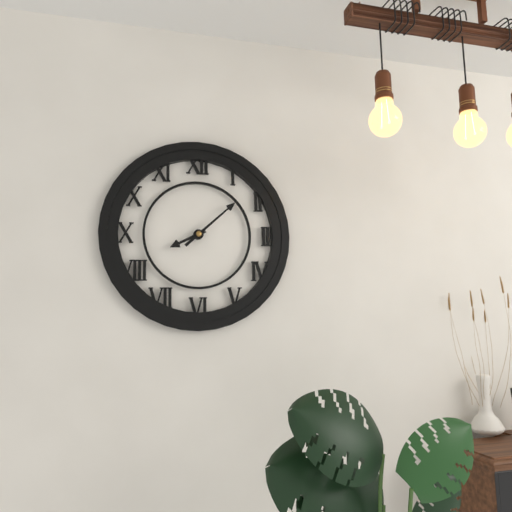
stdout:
{"hour": 8, "minute": 8}
